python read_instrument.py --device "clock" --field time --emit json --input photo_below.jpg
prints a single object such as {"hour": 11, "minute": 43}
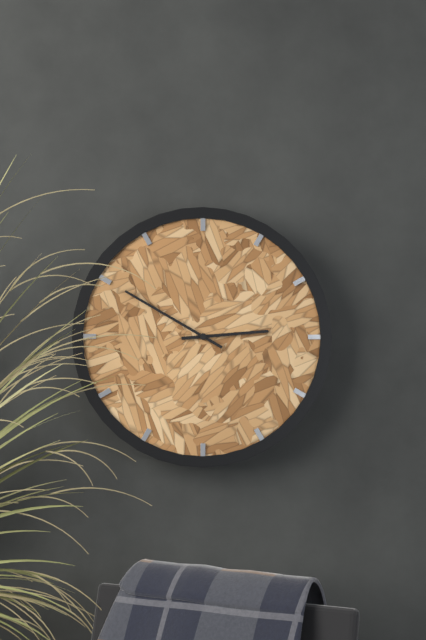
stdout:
{"hour": 2, "minute": 50}
